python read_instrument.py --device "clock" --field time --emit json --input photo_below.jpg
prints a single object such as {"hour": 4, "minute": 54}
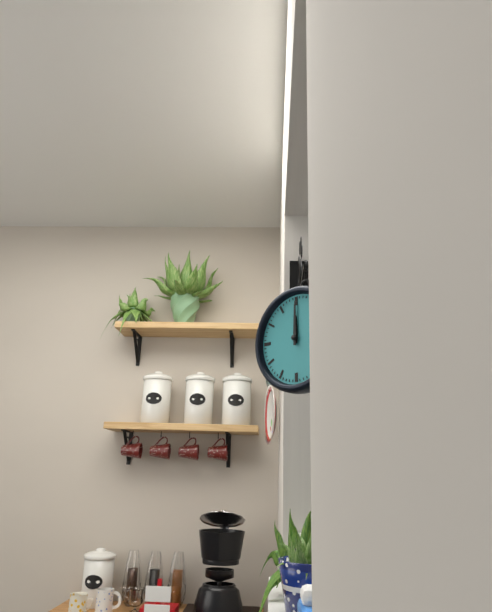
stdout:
{"hour": 12, "minute": 0}
